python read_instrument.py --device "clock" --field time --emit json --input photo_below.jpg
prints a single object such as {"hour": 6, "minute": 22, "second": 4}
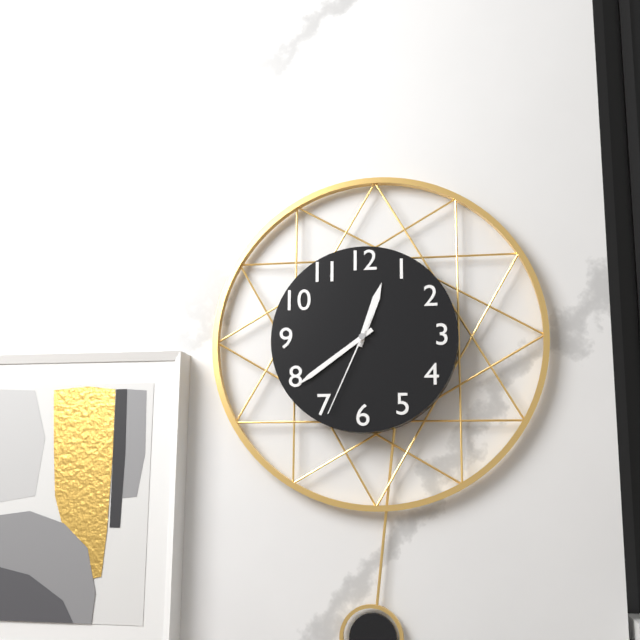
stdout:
{"hour": 12, "minute": 39, "second": 34}
